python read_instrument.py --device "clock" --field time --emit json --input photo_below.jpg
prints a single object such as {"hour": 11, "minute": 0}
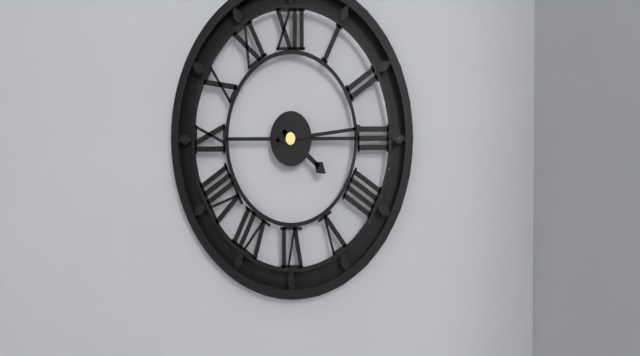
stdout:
{"hour": 4, "minute": 14}
